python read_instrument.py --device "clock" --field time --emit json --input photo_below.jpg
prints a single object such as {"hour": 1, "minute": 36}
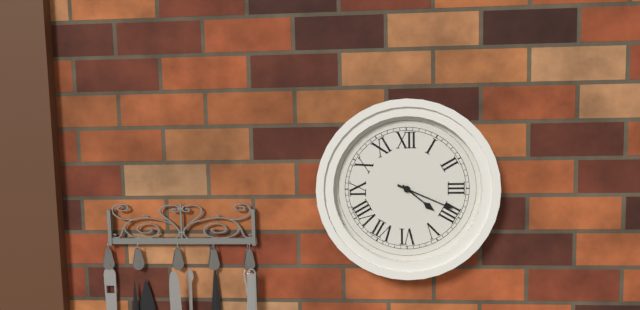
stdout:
{"hour": 4, "minute": 19}
